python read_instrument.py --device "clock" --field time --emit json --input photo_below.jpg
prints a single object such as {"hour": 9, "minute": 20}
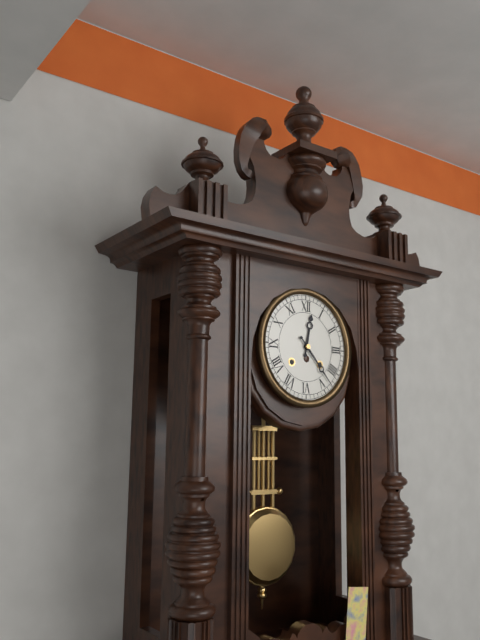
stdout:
{"hour": 12, "minute": 23}
